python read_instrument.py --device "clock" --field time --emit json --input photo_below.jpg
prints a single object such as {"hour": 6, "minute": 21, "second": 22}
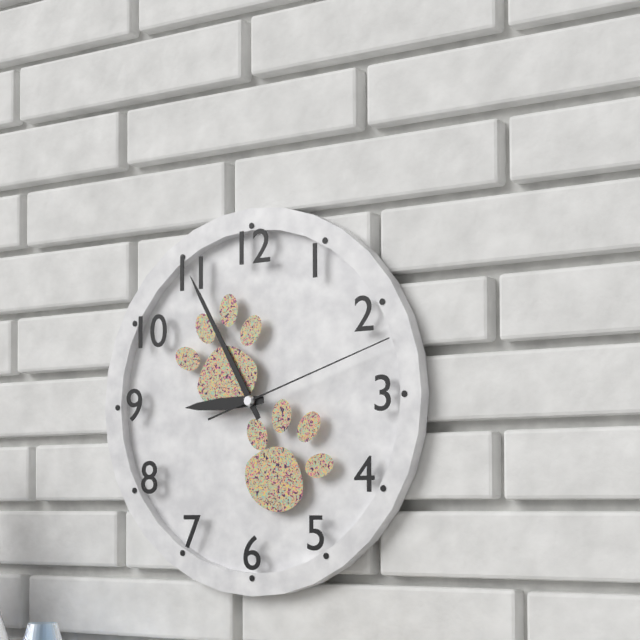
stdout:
{"hour": 8, "minute": 55, "second": 12}
